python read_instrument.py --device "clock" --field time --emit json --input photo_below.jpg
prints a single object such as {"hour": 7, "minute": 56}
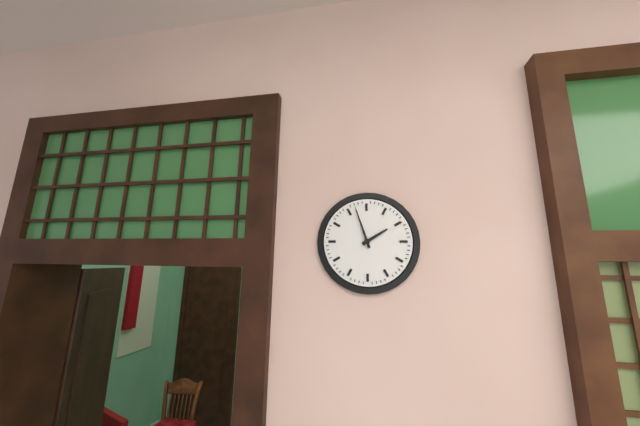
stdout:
{"hour": 1, "minute": 57}
